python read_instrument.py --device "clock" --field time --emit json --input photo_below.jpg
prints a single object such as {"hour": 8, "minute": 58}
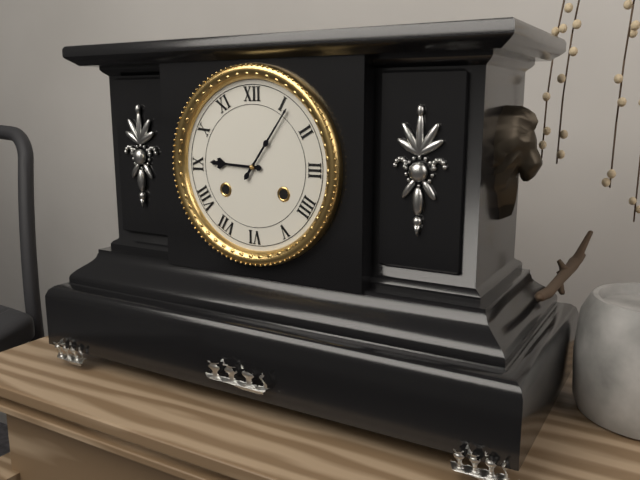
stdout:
{"hour": 9, "minute": 6}
